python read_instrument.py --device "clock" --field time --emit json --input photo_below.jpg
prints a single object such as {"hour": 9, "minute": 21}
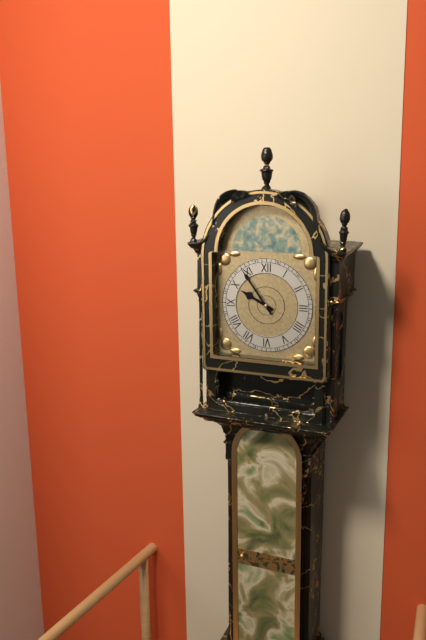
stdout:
{"hour": 9, "minute": 54}
